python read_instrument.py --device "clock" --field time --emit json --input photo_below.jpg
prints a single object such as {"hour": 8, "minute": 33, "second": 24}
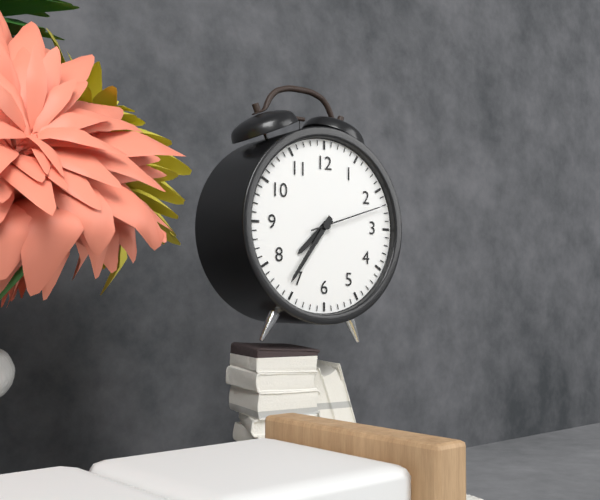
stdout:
{"hour": 7, "minute": 36, "second": 12}
